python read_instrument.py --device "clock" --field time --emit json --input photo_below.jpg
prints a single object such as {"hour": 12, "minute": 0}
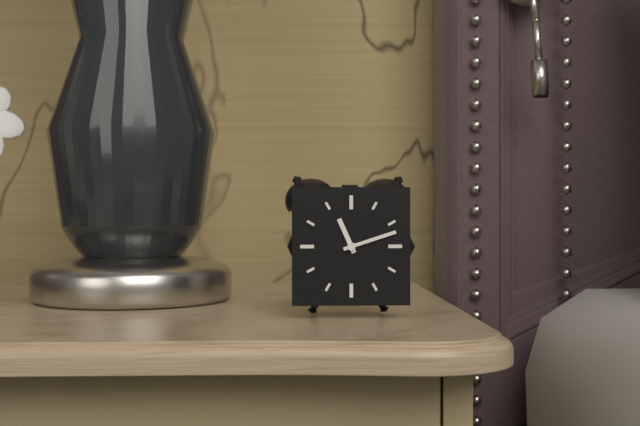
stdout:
{"hour": 11, "minute": 12}
